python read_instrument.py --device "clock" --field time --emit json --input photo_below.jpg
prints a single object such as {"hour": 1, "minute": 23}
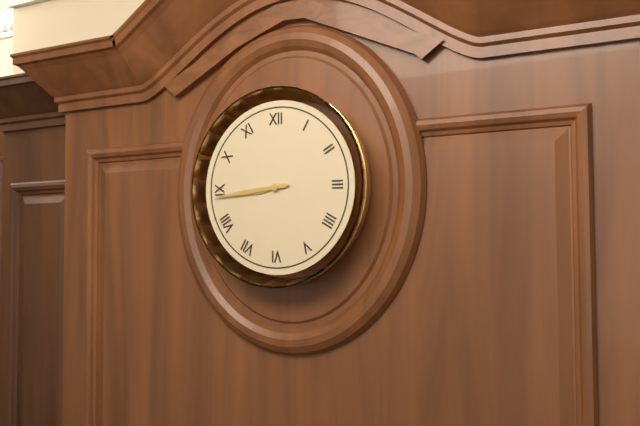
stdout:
{"hour": 8, "minute": 44}
